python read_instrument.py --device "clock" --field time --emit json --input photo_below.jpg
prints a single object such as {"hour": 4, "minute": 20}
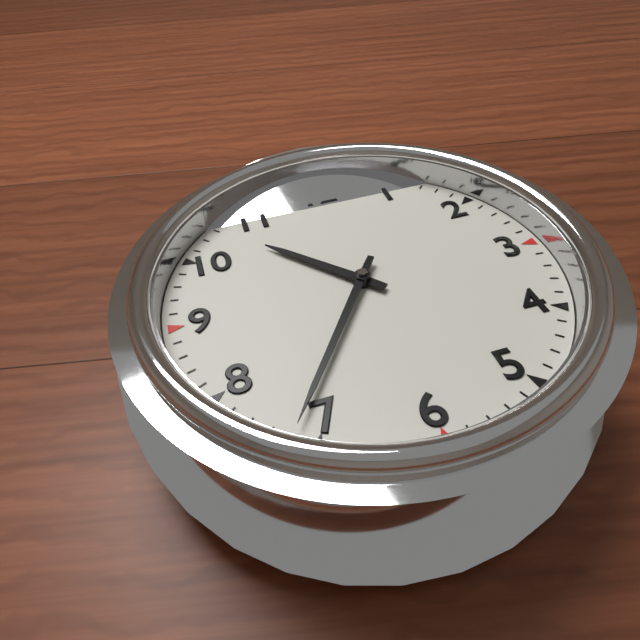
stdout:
{"hour": 10, "minute": 36}
